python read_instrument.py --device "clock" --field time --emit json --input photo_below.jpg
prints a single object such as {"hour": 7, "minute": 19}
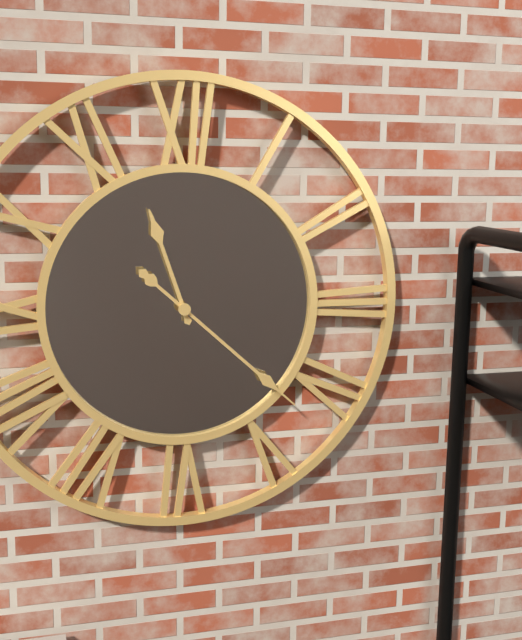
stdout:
{"hour": 11, "minute": 22}
